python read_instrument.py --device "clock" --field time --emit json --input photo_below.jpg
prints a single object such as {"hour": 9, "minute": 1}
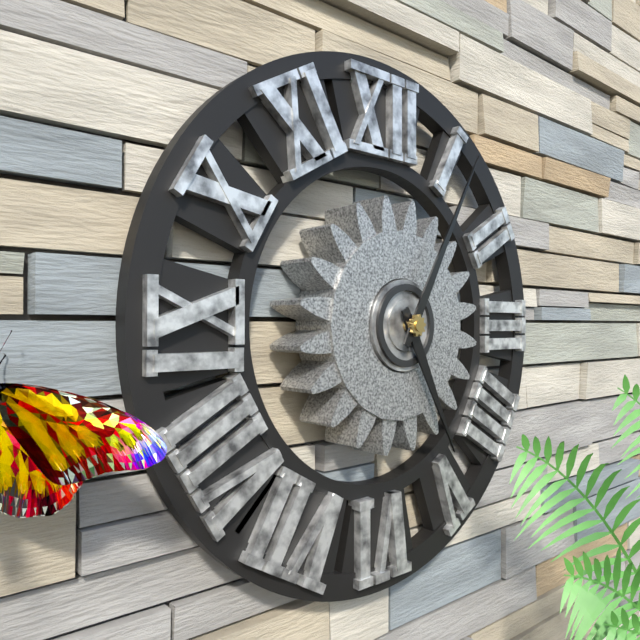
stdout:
{"hour": 5, "minute": 5}
